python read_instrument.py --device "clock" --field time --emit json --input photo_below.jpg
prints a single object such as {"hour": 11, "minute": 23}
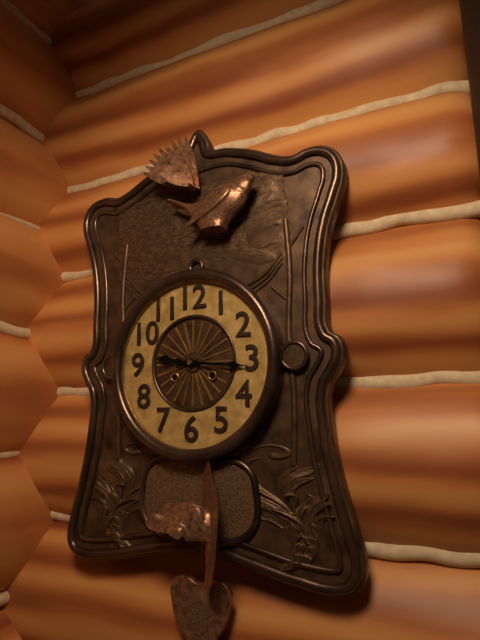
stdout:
{"hour": 9, "minute": 16}
